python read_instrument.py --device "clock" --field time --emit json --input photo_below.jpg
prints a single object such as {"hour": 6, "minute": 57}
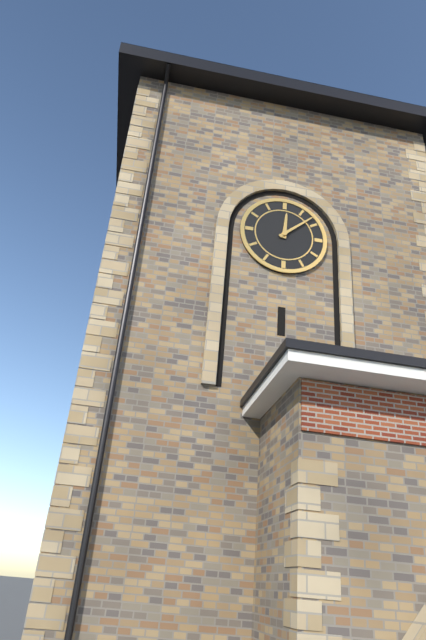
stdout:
{"hour": 12, "minute": 8}
